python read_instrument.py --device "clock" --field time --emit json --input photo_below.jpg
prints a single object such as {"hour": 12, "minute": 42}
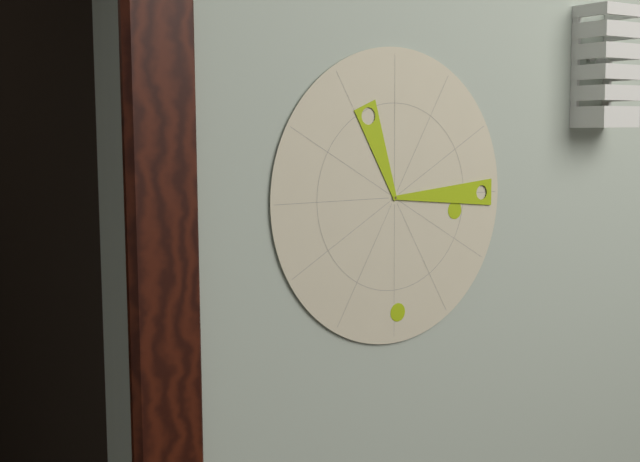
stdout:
{"hour": 11, "minute": 15}
